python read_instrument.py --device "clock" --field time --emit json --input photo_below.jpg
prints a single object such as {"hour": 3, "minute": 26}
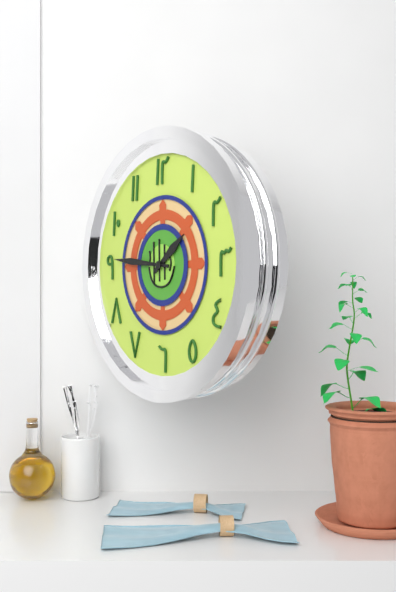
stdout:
{"hour": 1, "minute": 46}
